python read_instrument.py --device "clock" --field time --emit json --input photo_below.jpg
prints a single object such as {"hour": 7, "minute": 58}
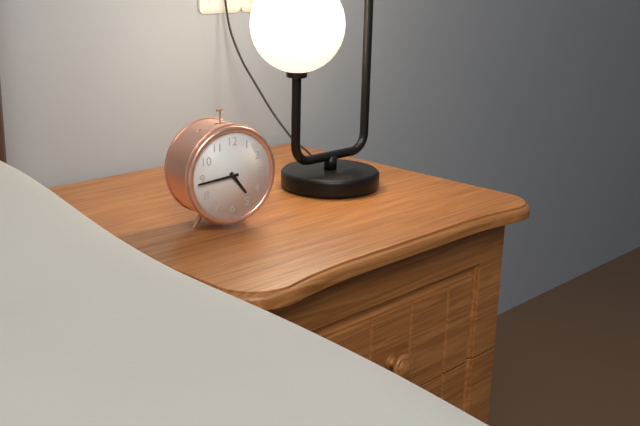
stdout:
{"hour": 4, "minute": 44}
